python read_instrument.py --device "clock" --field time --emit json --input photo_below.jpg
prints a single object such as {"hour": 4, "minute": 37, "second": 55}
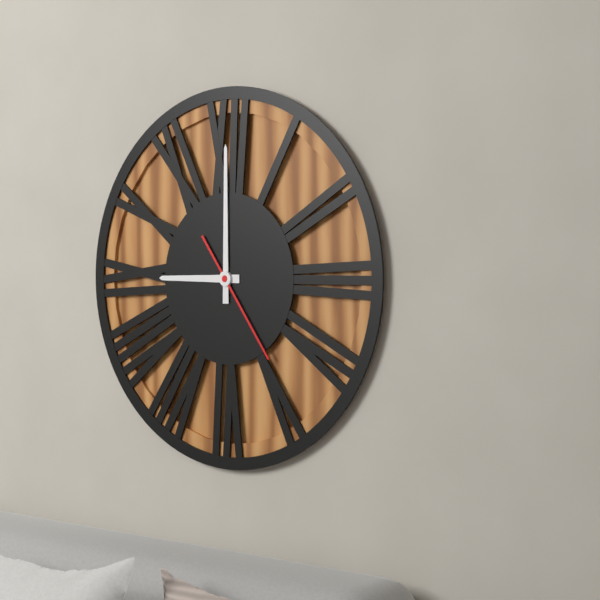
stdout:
{"hour": 9, "minute": 0, "second": 24}
